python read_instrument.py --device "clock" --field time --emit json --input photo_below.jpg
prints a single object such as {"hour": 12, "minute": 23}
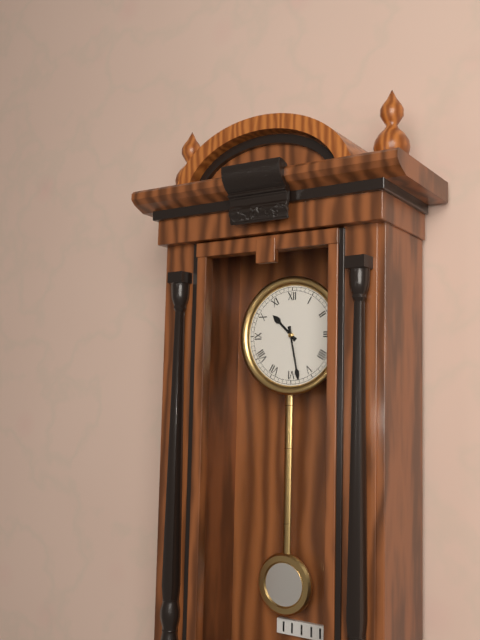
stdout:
{"hour": 10, "minute": 28}
